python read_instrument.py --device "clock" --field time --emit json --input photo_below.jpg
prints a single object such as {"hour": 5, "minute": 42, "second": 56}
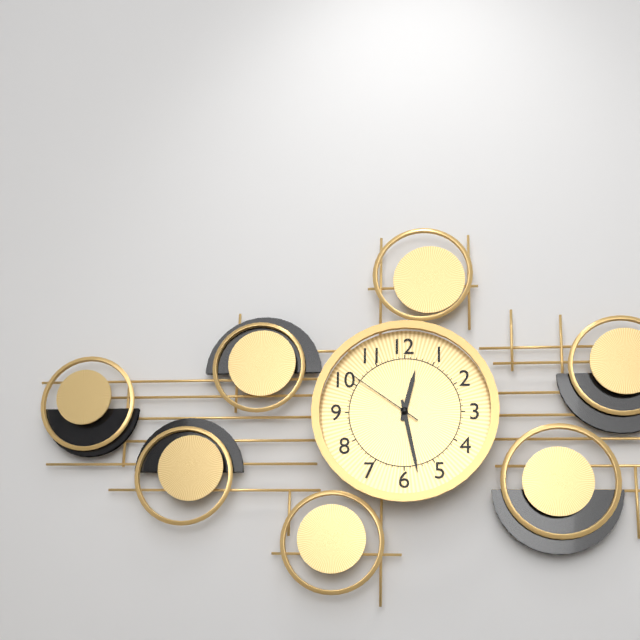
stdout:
{"hour": 12, "minute": 28, "second": 51}
